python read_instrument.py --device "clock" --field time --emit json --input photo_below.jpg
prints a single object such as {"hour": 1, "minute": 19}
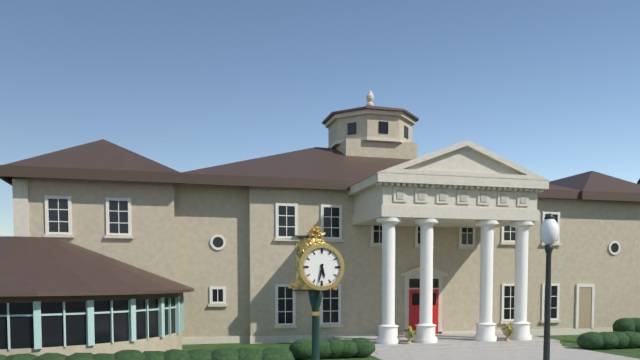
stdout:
{"hour": 5, "minute": 32}
